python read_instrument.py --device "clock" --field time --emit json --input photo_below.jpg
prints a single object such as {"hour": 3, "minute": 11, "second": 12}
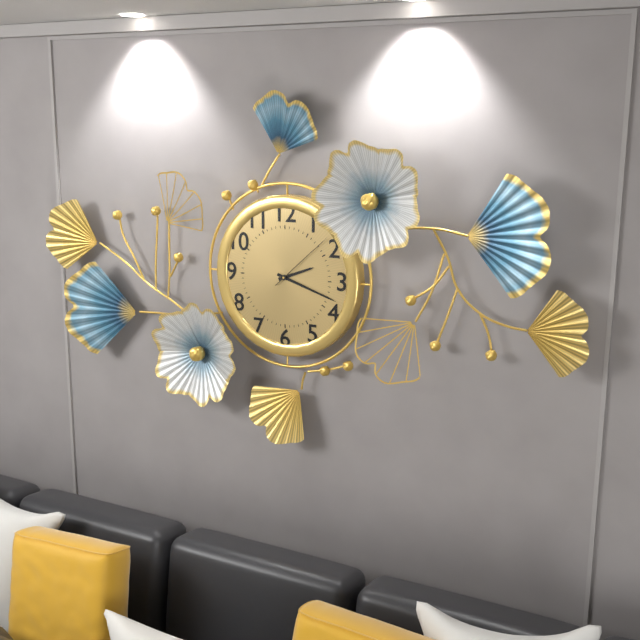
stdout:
{"hour": 2, "minute": 18, "second": 8}
